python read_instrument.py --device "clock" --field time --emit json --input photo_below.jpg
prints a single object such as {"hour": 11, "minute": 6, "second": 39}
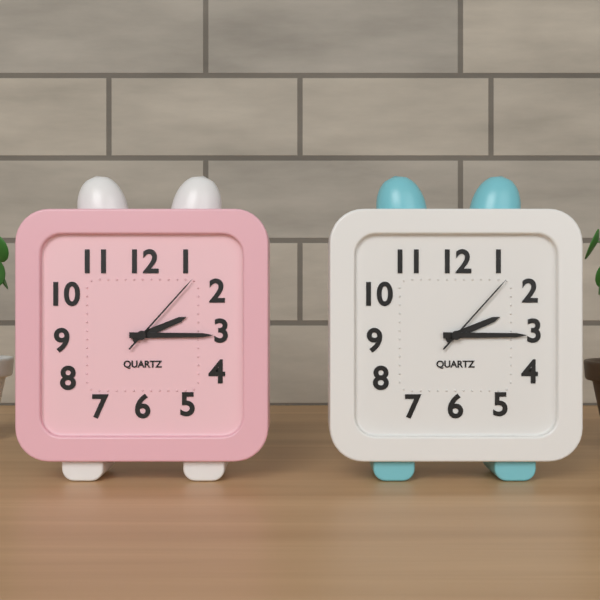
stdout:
{"hour": 2, "minute": 15, "second": 7}
